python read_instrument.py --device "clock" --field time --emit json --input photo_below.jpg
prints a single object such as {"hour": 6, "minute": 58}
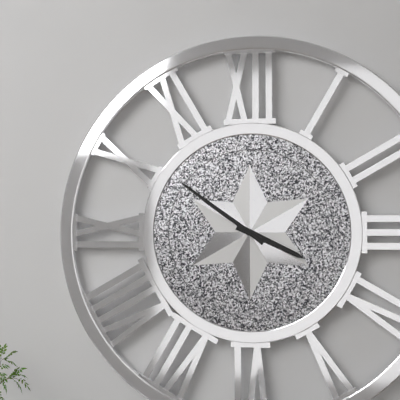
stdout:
{"hour": 3, "minute": 51}
